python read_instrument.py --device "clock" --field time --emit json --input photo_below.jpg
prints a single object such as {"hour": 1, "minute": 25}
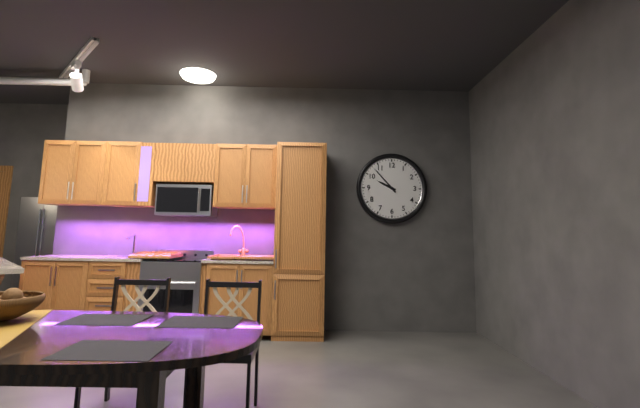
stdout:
{"hour": 9, "minute": 53}
